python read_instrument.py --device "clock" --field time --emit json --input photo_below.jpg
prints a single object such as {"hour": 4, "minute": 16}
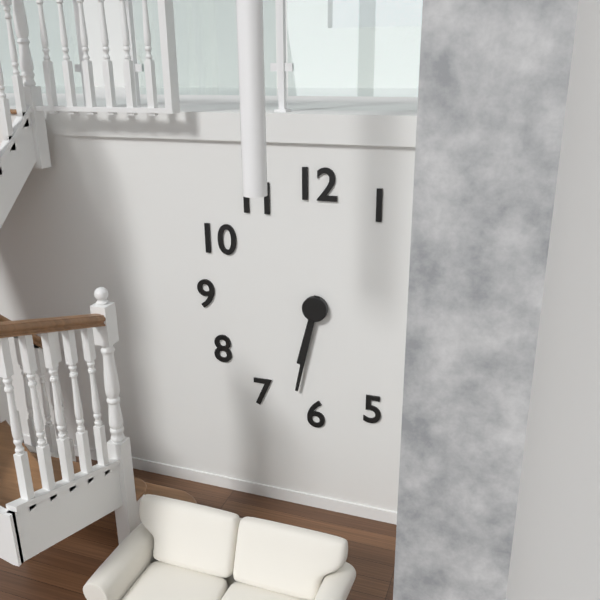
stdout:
{"hour": 6, "minute": 32}
